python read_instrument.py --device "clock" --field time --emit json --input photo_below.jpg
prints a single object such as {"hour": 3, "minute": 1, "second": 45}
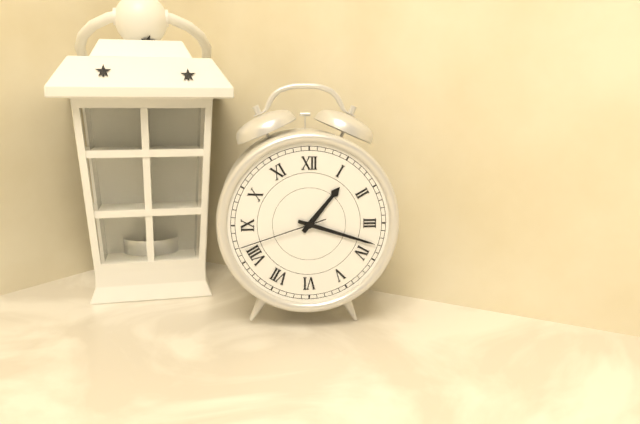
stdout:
{"hour": 1, "minute": 18, "second": 42}
